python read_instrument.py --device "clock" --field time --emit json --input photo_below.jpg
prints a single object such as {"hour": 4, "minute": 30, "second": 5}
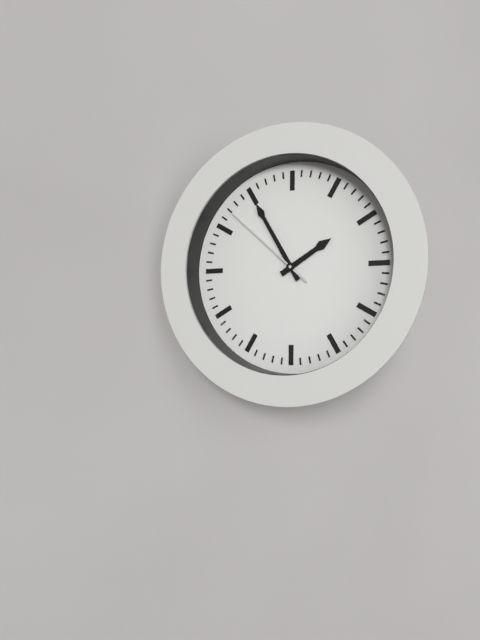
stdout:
{"hour": 1, "minute": 55, "second": 52}
